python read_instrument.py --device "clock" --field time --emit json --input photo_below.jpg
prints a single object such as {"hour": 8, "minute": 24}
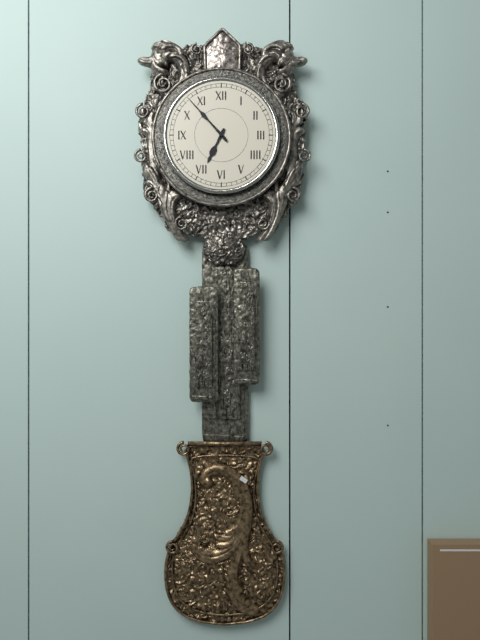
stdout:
{"hour": 6, "minute": 53}
